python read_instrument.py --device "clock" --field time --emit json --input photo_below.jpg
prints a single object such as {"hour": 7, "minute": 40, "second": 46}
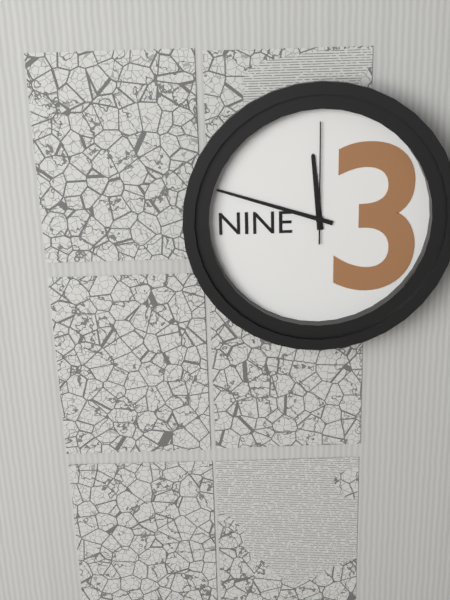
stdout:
{"hour": 11, "minute": 48, "second": 0}
